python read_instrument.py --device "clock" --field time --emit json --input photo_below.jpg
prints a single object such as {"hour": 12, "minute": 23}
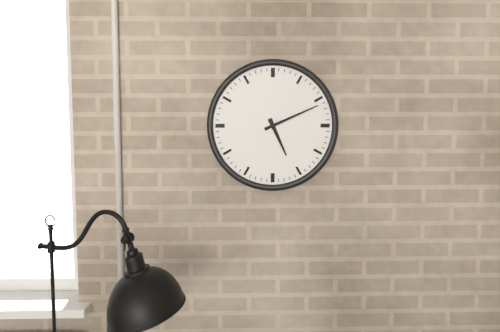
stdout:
{"hour": 5, "minute": 11}
